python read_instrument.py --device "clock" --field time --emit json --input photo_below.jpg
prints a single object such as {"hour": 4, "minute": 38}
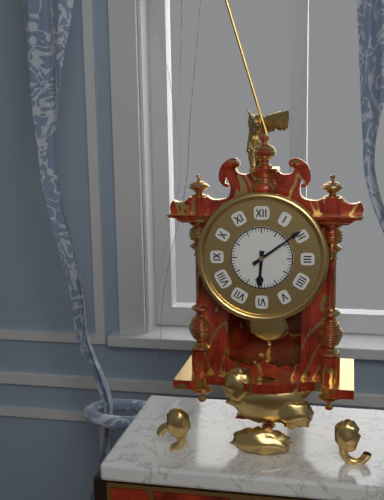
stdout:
{"hour": 6, "minute": 9}
